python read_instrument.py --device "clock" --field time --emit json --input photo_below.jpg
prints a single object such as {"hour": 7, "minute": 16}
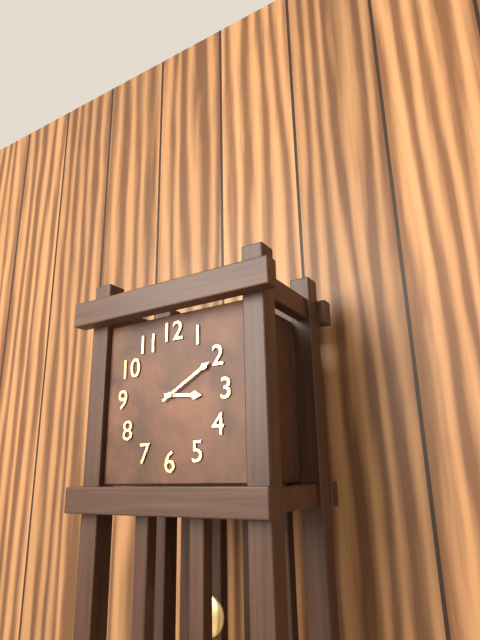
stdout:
{"hour": 3, "minute": 10}
